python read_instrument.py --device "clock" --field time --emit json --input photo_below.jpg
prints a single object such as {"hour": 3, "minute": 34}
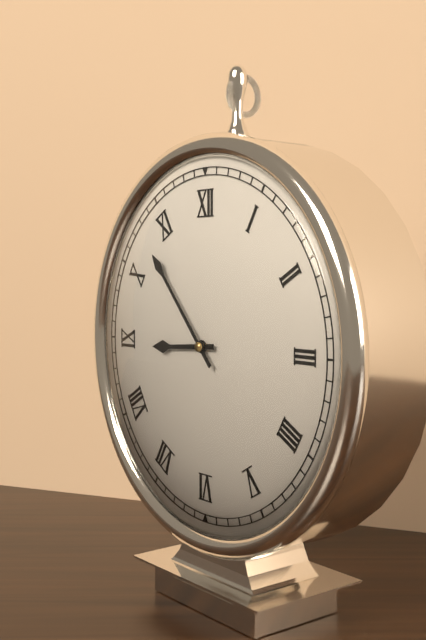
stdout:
{"hour": 8, "minute": 53}
